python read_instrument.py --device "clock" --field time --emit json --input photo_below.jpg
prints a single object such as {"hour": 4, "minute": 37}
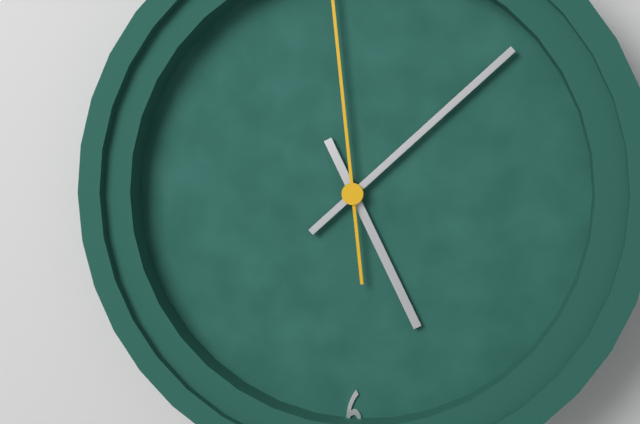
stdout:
{"hour": 5, "minute": 8}
